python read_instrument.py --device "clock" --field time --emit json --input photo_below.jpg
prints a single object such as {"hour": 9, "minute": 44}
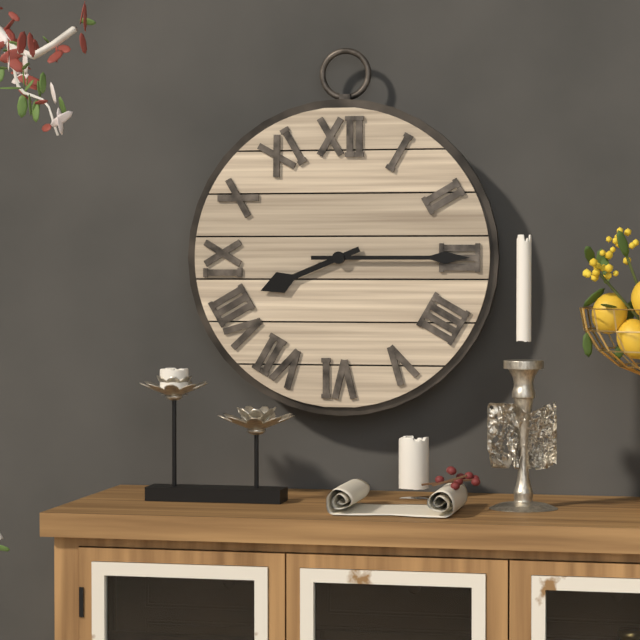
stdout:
{"hour": 8, "minute": 15}
